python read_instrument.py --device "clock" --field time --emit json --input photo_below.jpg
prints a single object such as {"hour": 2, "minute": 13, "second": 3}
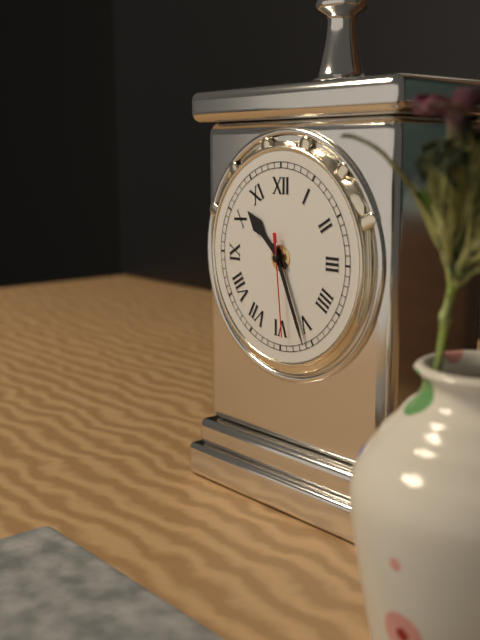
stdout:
{"hour": 10, "minute": 26, "second": 29}
